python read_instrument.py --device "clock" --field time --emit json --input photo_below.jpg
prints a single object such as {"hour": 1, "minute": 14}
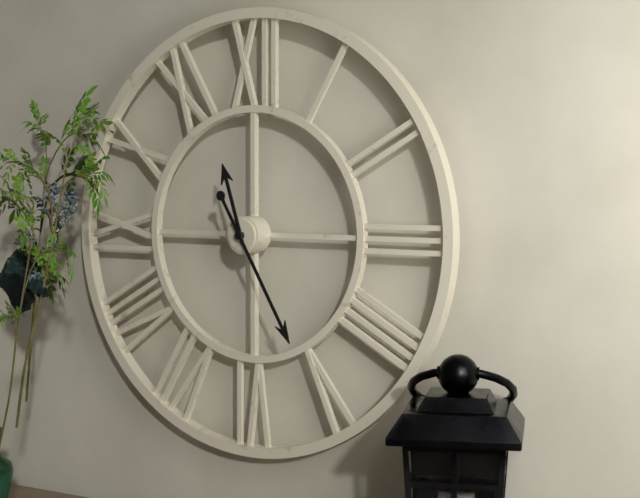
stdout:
{"hour": 11, "minute": 25}
